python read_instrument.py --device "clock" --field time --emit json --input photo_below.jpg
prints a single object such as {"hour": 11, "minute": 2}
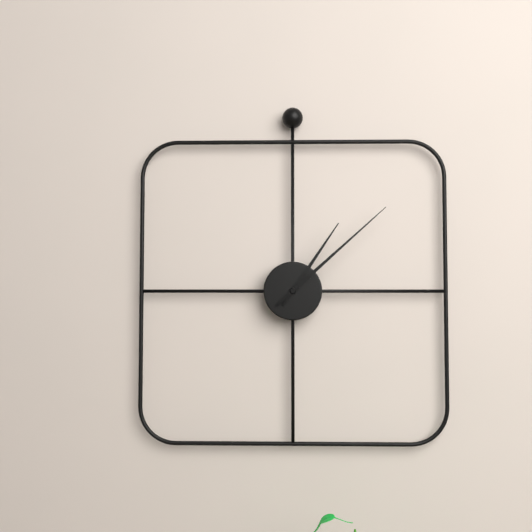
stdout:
{"hour": 1, "minute": 8}
